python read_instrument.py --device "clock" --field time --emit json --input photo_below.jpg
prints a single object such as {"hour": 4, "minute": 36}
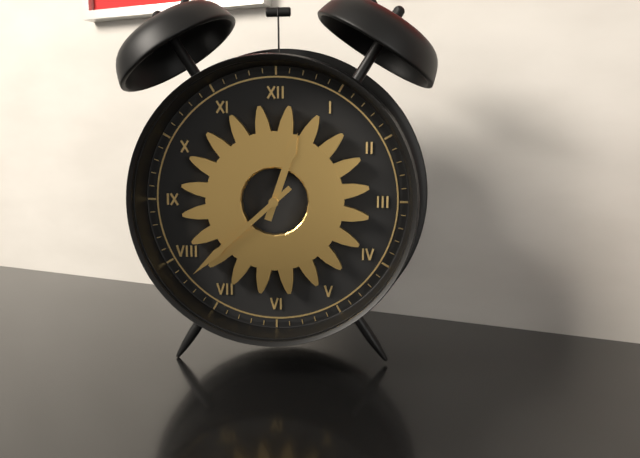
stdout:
{"hour": 12, "minute": 38}
